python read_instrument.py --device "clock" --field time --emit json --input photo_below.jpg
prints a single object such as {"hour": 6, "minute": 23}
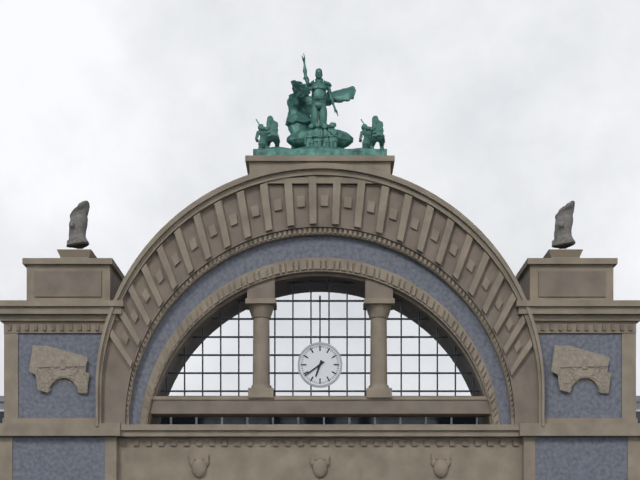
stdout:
{"hour": 6, "minute": 39}
